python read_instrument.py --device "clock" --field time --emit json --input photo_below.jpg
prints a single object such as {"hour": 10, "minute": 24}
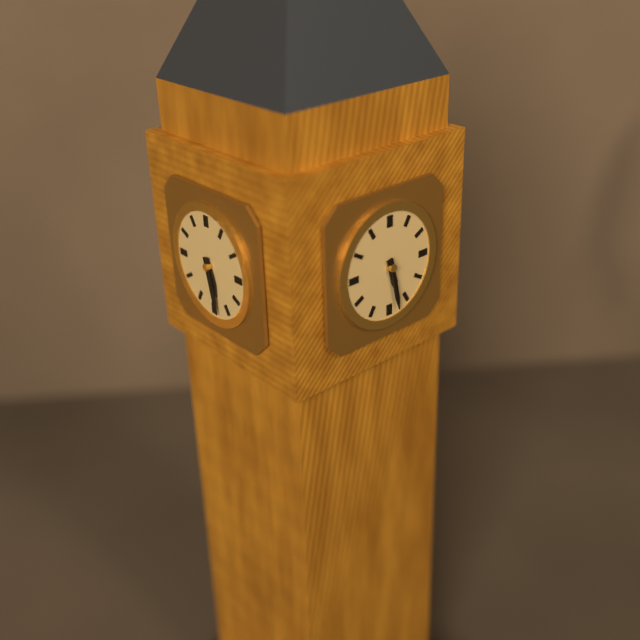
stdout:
{"hour": 5, "minute": 28}
